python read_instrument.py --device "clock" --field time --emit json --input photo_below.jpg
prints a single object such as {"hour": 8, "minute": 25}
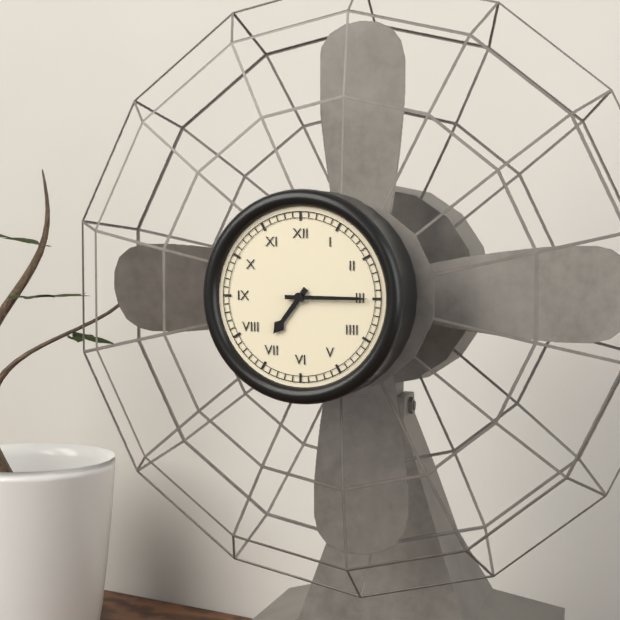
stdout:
{"hour": 7, "minute": 15}
